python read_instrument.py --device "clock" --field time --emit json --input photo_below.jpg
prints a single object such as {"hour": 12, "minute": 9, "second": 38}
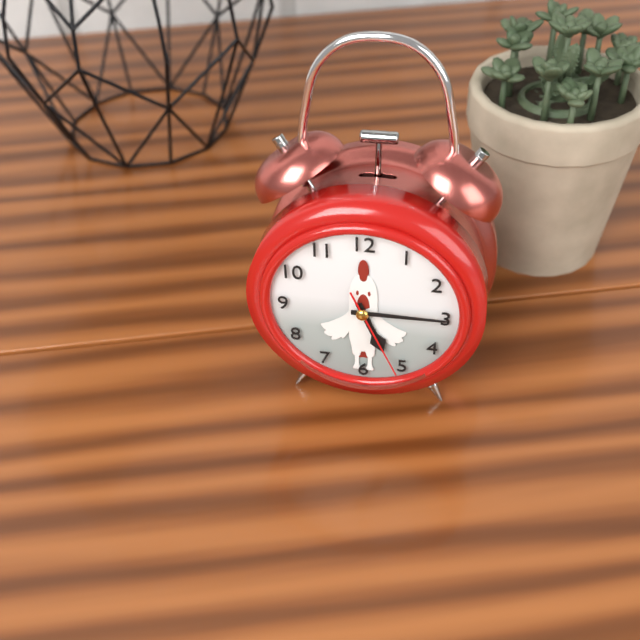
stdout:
{"hour": 5, "minute": 15, "second": 26}
